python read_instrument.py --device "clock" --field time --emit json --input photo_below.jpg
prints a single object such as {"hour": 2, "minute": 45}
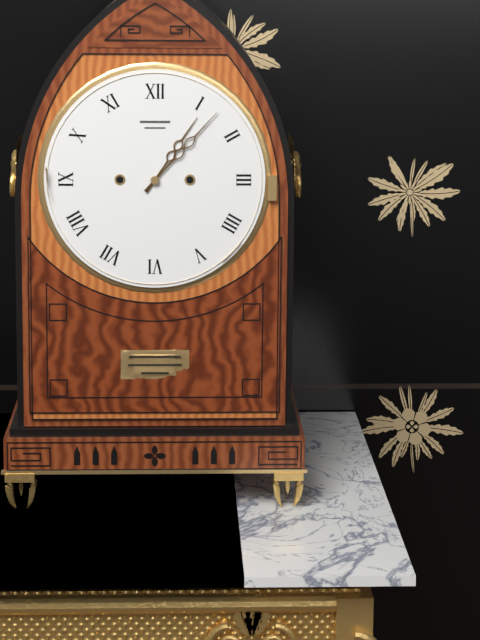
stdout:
{"hour": 1, "minute": 7}
